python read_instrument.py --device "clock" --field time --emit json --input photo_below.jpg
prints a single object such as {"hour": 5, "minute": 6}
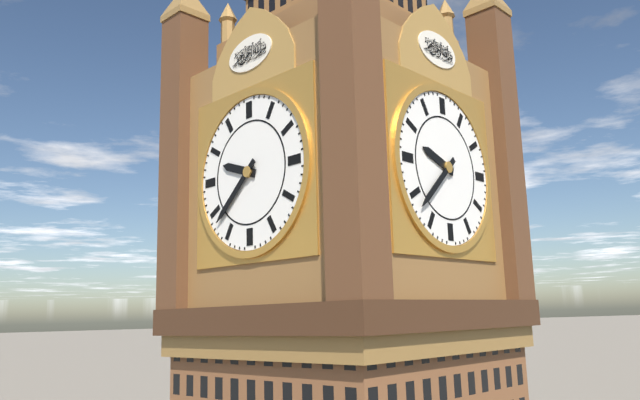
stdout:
{"hour": 9, "minute": 38}
